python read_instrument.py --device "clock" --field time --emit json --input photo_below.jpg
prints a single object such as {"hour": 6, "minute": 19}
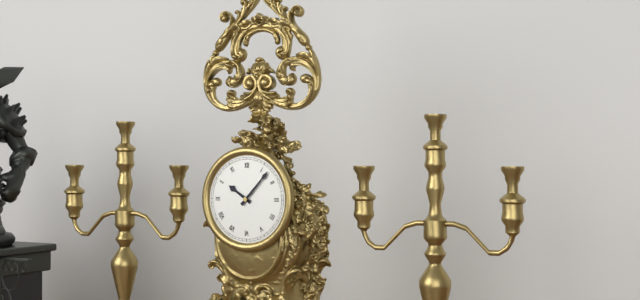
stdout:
{"hour": 10, "minute": 7}
